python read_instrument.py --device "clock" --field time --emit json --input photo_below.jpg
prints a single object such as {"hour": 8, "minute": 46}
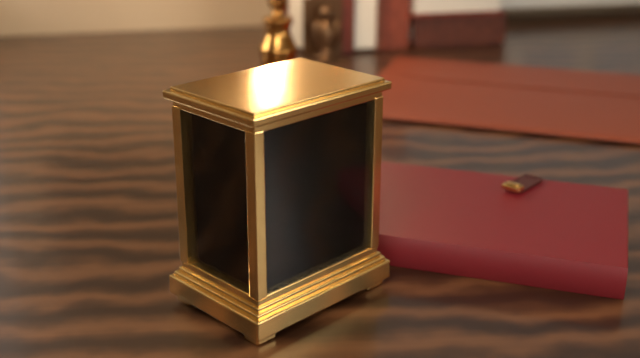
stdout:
{"hour": 9, "minute": 4}
